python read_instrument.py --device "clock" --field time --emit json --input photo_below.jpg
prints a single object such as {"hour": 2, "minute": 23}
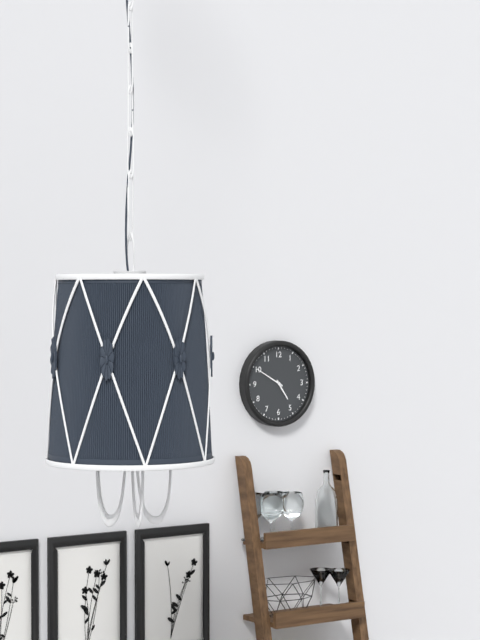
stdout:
{"hour": 4, "minute": 50}
